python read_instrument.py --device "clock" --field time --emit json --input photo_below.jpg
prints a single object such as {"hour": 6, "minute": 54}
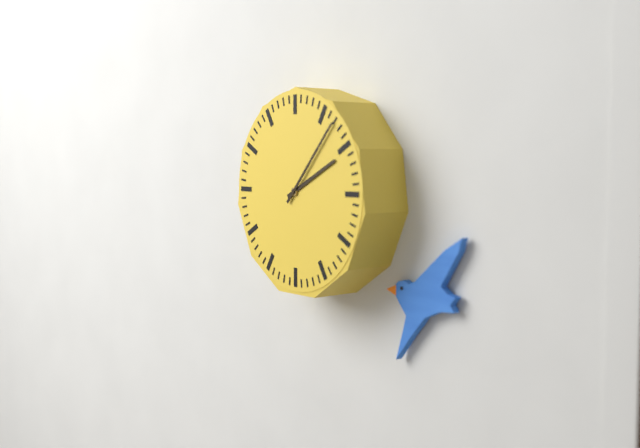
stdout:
{"hour": 2, "minute": 7}
